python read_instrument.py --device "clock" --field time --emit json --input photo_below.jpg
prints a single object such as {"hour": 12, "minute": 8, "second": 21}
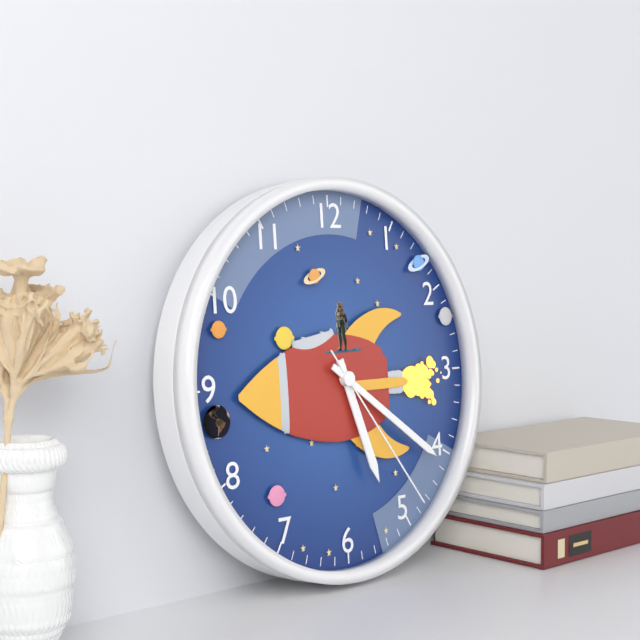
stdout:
{"hour": 5, "minute": 21, "second": 24}
